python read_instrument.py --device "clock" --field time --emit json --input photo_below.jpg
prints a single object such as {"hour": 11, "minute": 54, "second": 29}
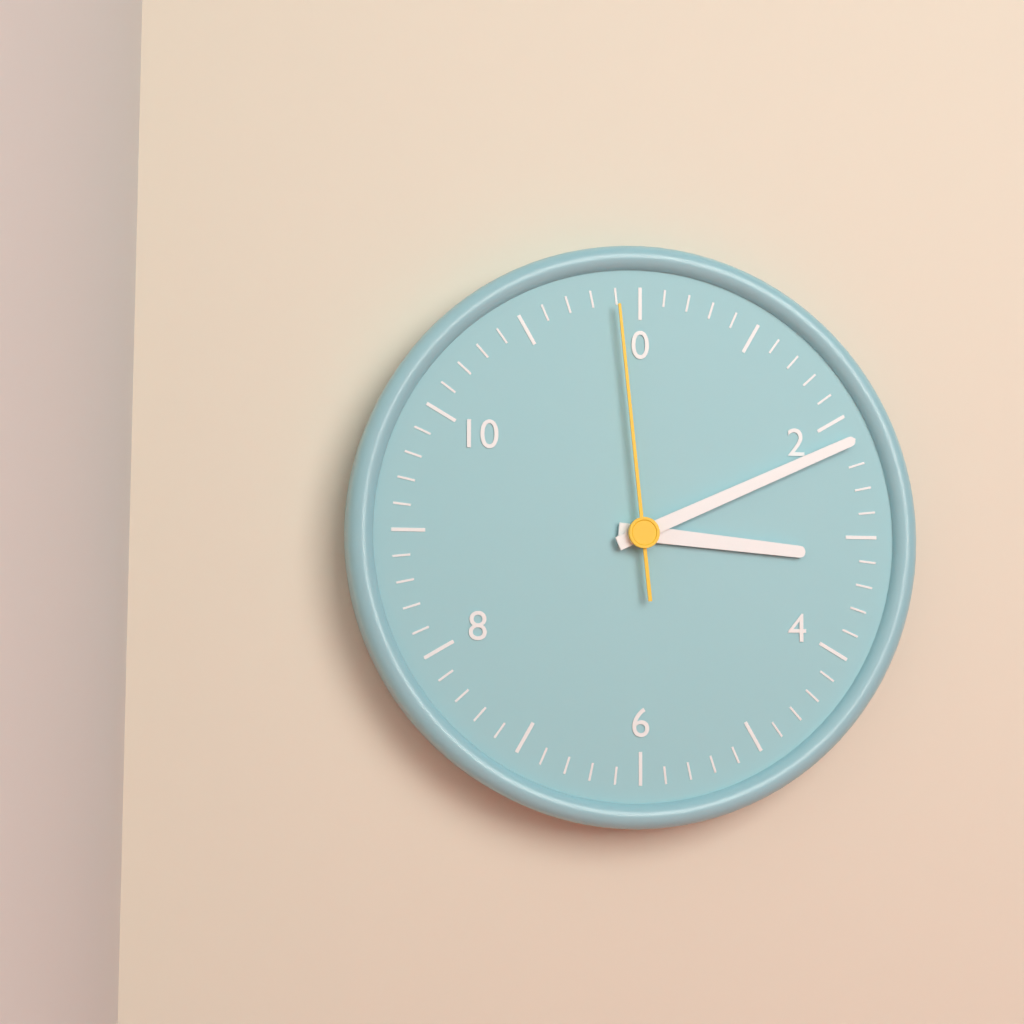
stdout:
{"hour": 3, "minute": 11, "second": 59}
